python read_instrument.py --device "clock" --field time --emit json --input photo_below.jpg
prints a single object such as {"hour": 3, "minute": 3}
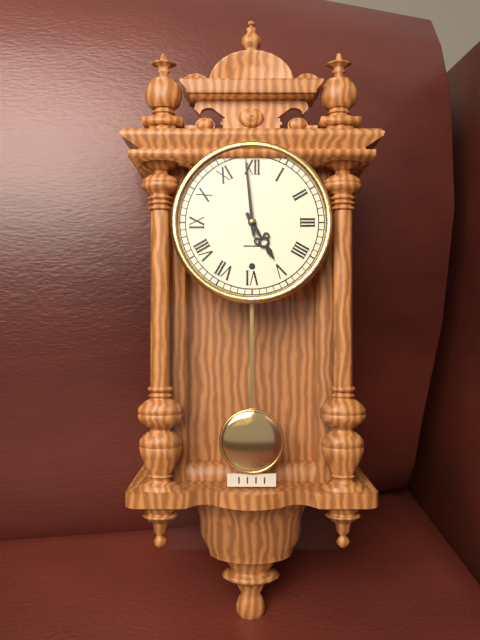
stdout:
{"hour": 4, "minute": 59}
